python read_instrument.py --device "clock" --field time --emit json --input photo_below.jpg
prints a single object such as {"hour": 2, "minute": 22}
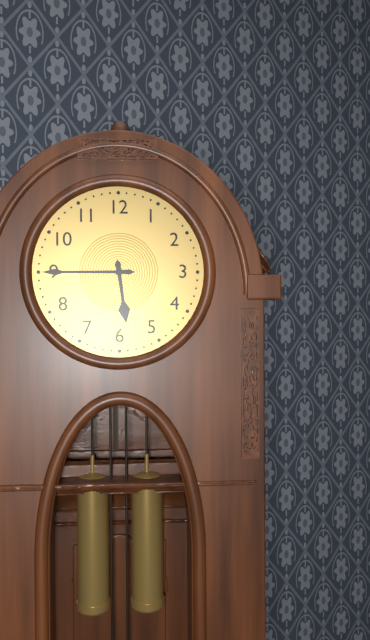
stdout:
{"hour": 5, "minute": 45}
